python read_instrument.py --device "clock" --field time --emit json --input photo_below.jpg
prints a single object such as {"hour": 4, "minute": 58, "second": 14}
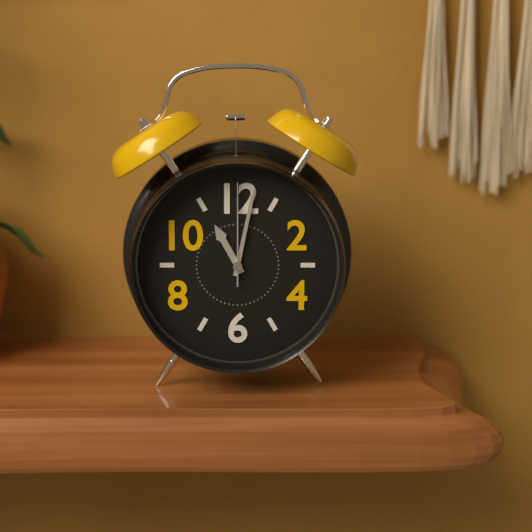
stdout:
{"hour": 11, "minute": 2, "second": 0}
